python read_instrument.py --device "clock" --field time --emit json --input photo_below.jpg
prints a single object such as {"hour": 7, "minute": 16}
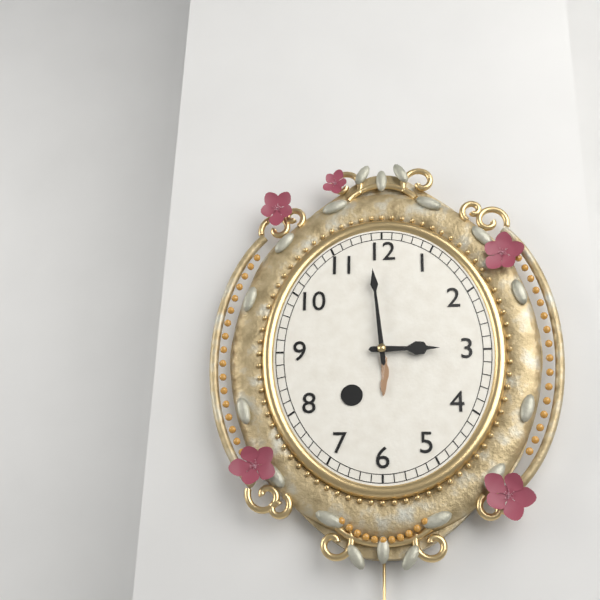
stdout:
{"hour": 2, "minute": 59}
